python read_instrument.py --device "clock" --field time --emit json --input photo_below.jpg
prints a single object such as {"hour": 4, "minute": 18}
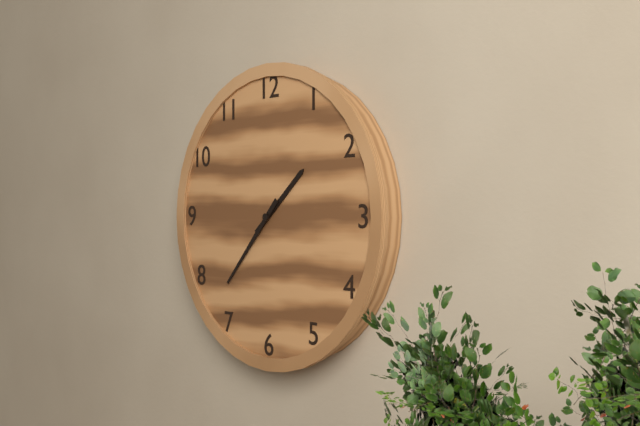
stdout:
{"hour": 1, "minute": 37}
